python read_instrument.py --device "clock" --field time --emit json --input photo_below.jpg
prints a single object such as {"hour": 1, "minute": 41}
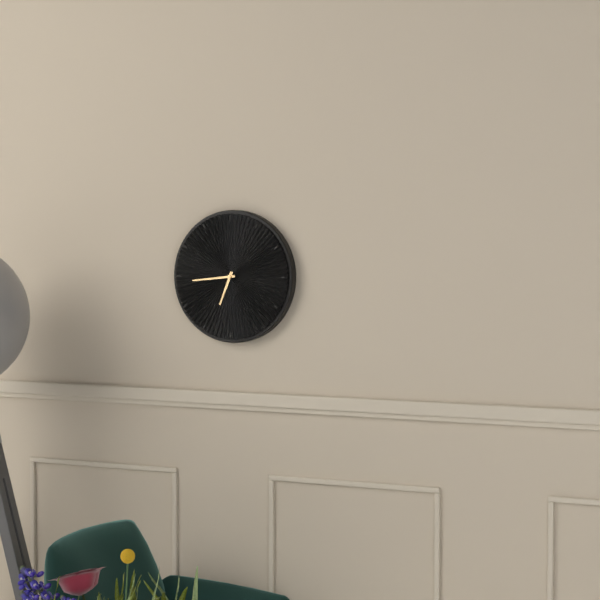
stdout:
{"hour": 6, "minute": 44}
